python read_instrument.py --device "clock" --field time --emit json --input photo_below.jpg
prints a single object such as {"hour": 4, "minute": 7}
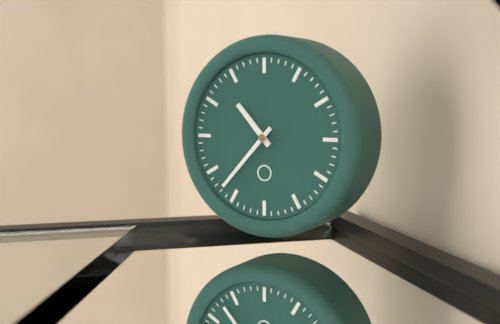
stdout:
{"hour": 10, "minute": 37}
